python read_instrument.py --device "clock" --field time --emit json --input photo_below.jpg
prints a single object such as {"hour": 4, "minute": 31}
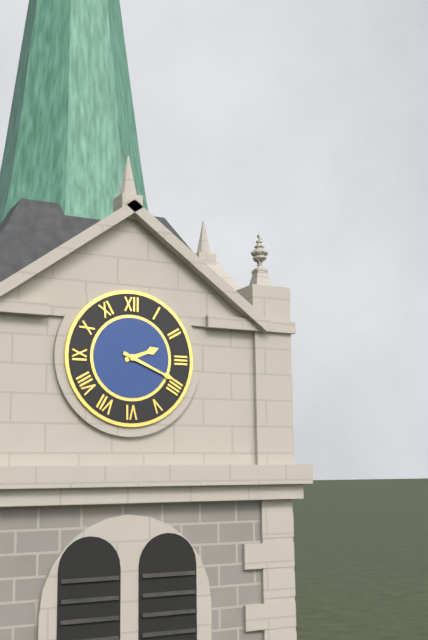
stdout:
{"hour": 2, "minute": 19}
